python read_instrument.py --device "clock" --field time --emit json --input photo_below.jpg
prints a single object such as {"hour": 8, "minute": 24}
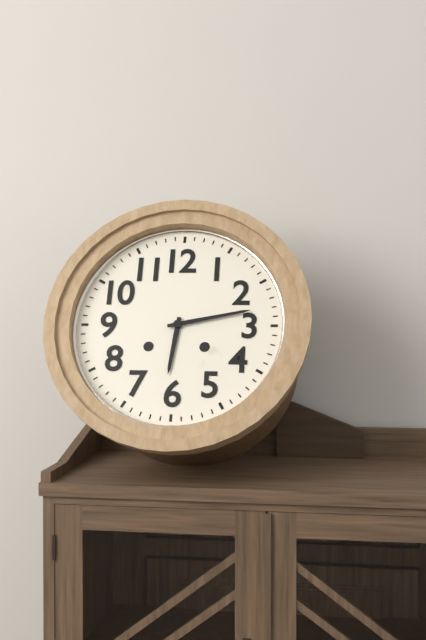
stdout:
{"hour": 6, "minute": 13}
